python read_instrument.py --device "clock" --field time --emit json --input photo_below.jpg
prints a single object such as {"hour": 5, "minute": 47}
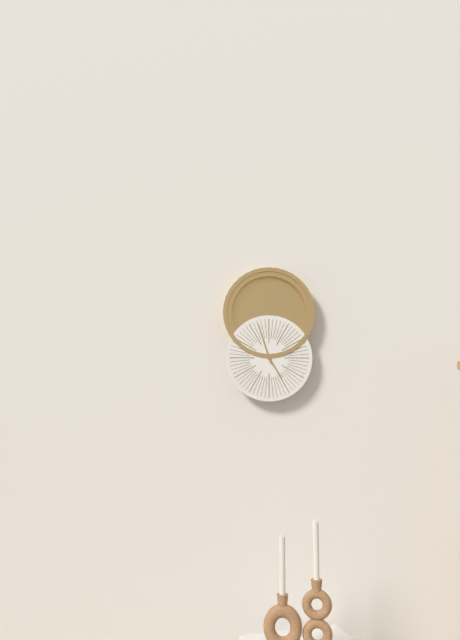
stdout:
{"hour": 4, "minute": 57}
